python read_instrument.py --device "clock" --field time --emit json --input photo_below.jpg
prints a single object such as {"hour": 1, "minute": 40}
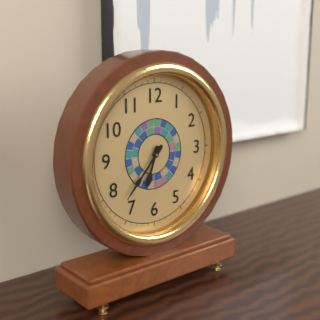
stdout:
{"hour": 6, "minute": 37}
